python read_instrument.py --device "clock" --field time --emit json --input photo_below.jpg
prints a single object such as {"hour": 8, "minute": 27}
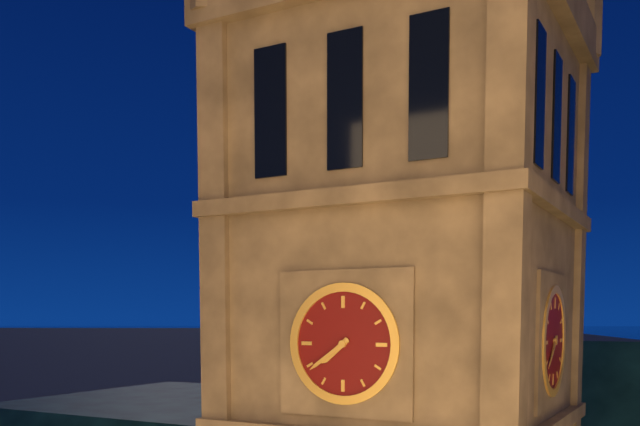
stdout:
{"hour": 7, "minute": 39}
